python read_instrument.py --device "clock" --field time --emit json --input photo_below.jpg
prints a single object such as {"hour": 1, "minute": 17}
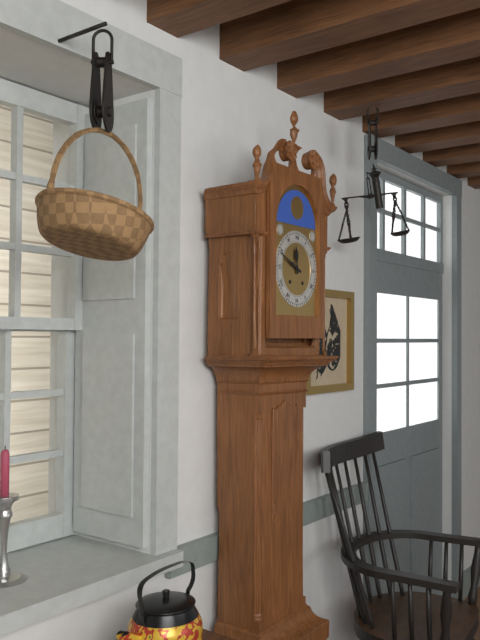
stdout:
{"hour": 11, "minute": 49}
